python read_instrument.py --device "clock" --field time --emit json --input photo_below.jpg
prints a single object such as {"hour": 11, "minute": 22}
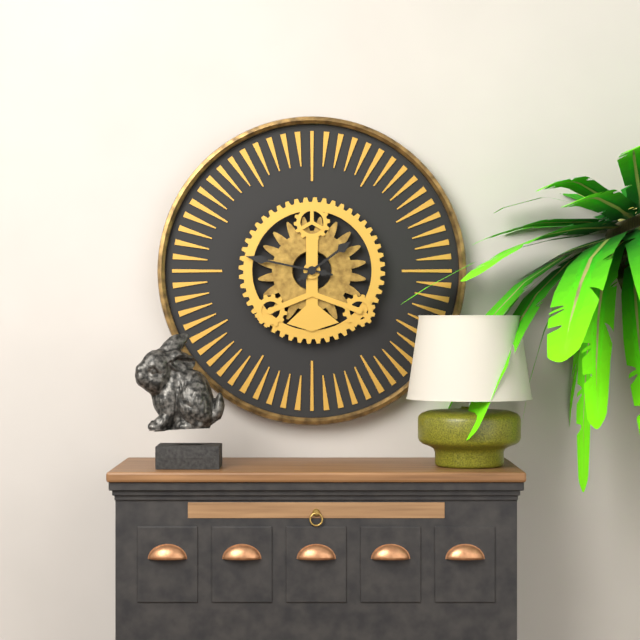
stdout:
{"hour": 1, "minute": 47}
